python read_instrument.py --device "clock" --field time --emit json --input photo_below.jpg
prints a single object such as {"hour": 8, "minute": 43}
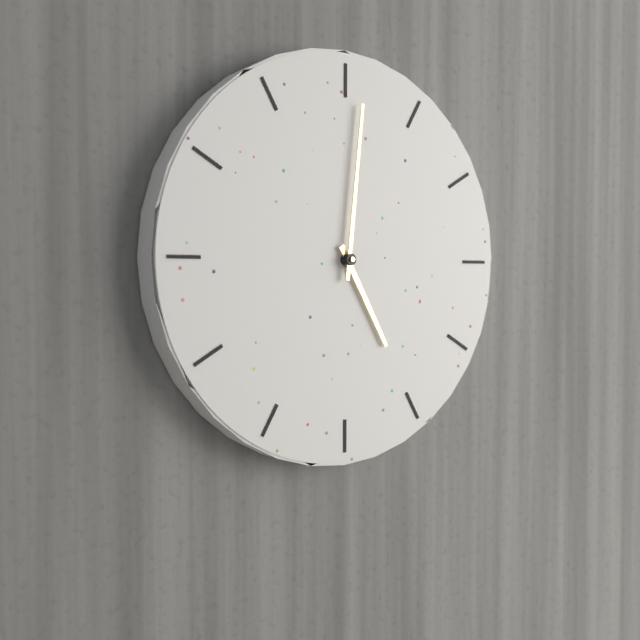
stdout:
{"hour": 5, "minute": 1}
